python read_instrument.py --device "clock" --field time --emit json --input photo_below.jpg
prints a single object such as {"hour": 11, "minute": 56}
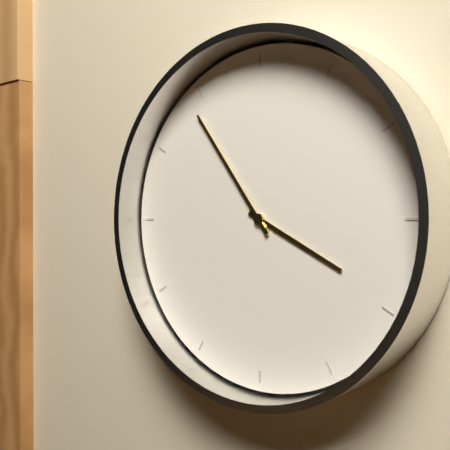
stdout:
{"hour": 3, "minute": 54}
